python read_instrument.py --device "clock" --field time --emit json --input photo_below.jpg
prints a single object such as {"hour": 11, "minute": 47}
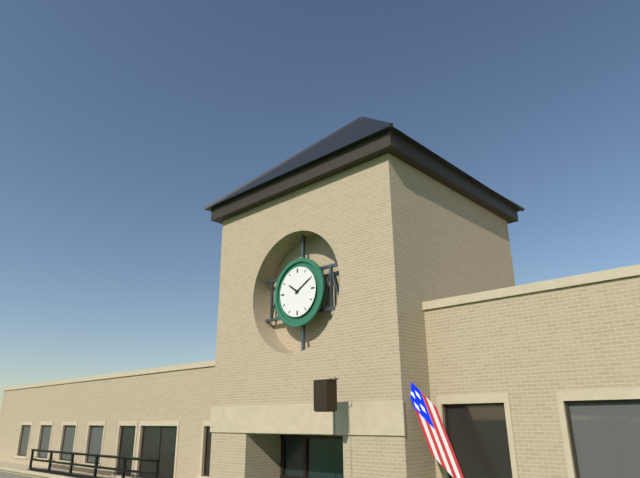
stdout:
{"hour": 10, "minute": 10}
